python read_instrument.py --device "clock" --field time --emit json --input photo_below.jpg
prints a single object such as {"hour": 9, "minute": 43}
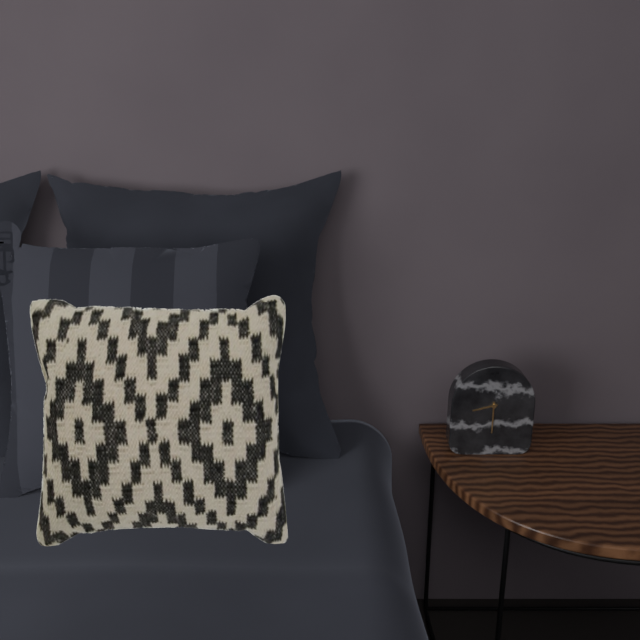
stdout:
{"hour": 8, "minute": 30}
